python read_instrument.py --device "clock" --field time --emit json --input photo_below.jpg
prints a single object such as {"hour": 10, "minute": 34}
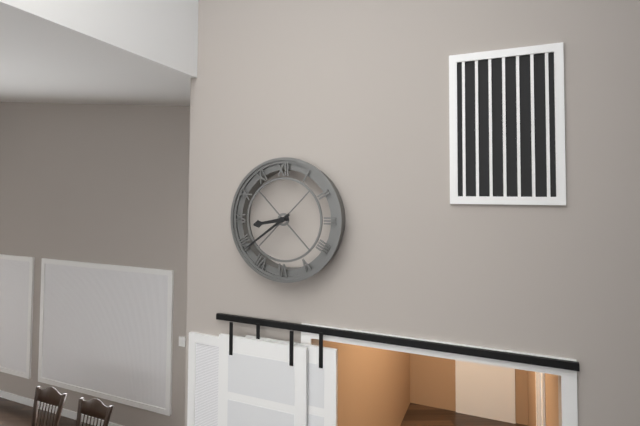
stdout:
{"hour": 8, "minute": 39}
